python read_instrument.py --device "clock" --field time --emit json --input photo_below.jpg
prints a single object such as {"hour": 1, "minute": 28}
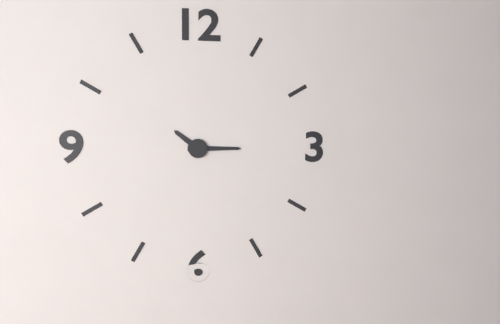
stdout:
{"hour": 10, "minute": 15}
